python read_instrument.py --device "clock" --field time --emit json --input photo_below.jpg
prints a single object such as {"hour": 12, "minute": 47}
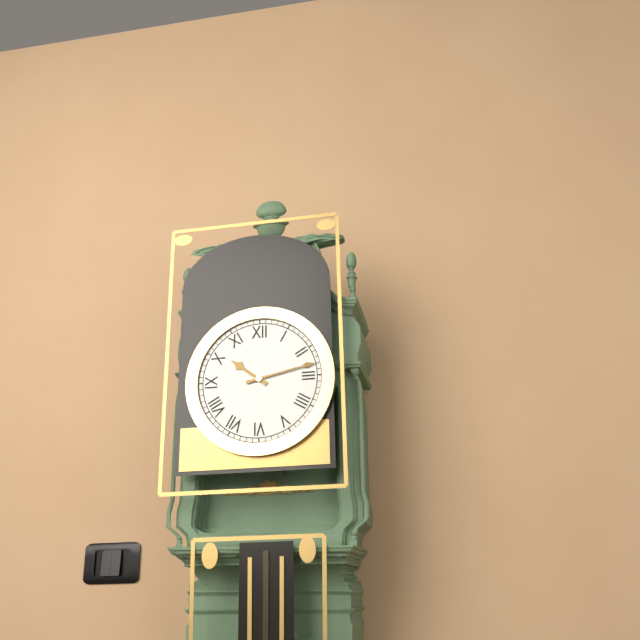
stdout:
{"hour": 10, "minute": 13}
